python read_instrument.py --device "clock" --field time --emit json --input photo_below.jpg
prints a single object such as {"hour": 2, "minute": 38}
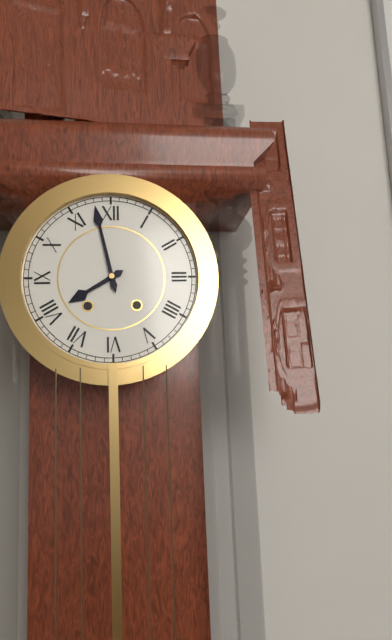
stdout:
{"hour": 7, "minute": 58}
